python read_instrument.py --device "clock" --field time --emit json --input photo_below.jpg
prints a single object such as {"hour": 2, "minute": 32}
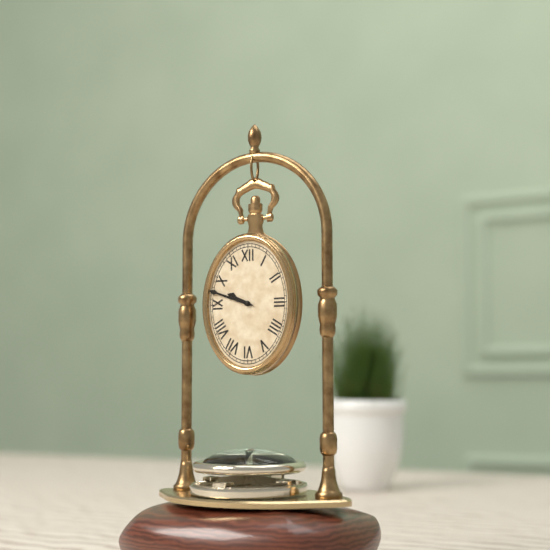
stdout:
{"hour": 9, "minute": 48}
